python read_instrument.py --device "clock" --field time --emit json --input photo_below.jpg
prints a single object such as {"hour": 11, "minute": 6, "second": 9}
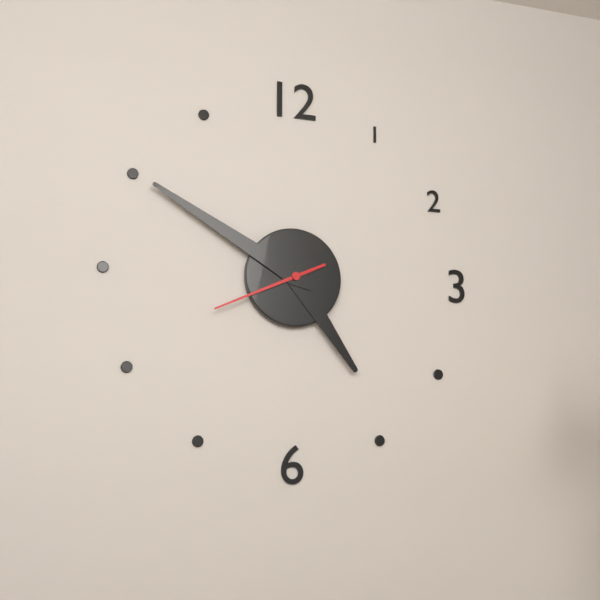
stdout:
{"hour": 4, "minute": 50, "second": 41}
